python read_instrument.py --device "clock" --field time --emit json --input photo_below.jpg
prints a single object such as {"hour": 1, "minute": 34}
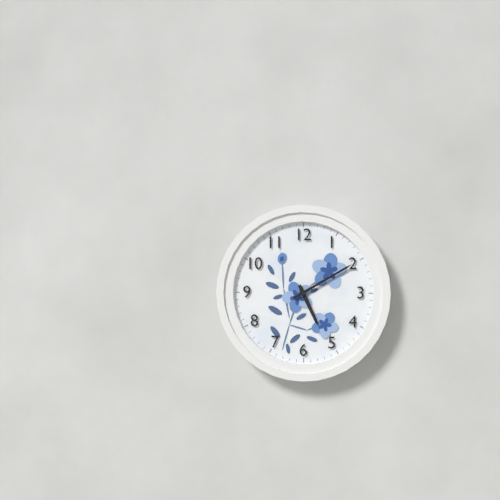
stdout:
{"hour": 5, "minute": 10}
